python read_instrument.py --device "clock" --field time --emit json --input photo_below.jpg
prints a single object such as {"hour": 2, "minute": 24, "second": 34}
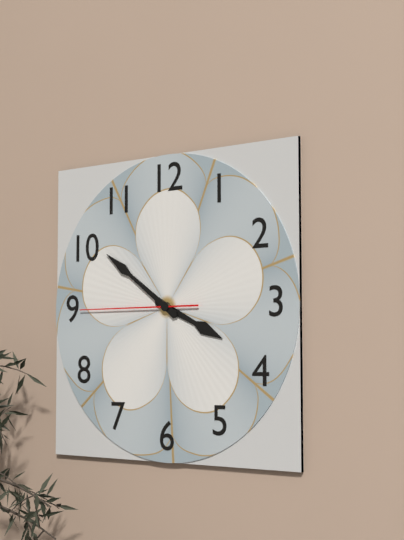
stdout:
{"hour": 3, "minute": 51, "second": 45}
